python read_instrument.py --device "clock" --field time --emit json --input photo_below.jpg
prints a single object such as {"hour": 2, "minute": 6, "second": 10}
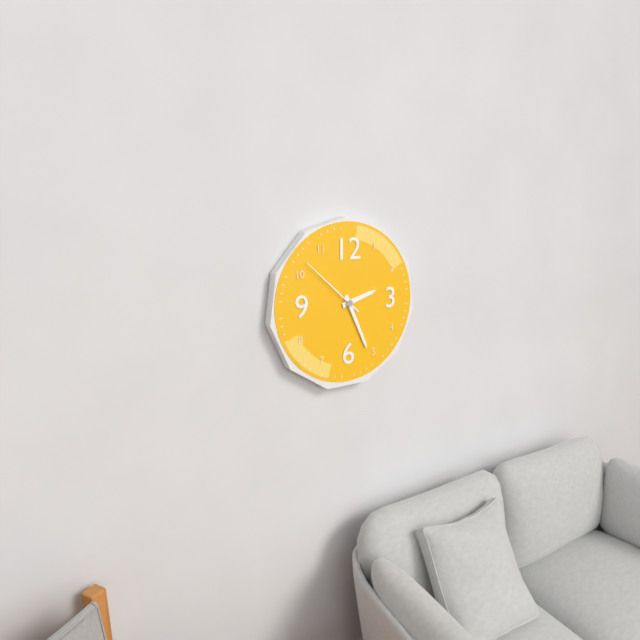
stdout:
{"hour": 2, "minute": 26, "second": 52}
